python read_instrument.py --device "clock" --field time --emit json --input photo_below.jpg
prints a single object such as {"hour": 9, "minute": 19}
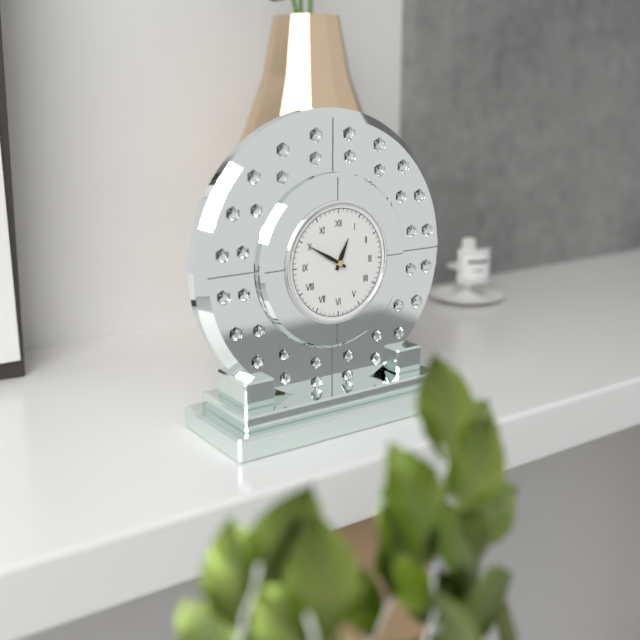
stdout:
{"hour": 12, "minute": 50}
